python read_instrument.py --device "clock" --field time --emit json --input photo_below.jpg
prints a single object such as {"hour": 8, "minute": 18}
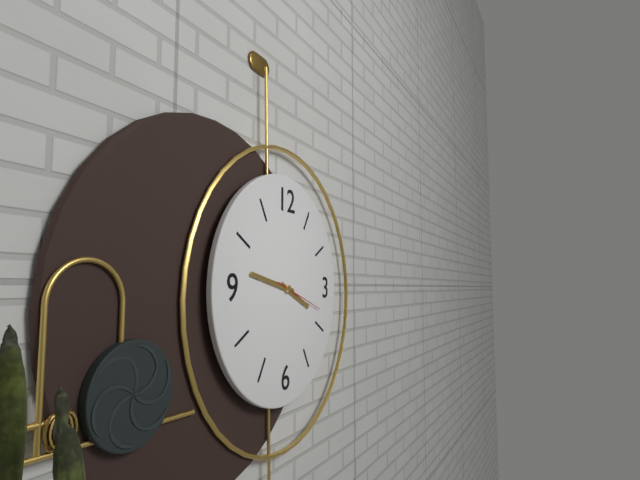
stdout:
{"hour": 3, "minute": 47}
